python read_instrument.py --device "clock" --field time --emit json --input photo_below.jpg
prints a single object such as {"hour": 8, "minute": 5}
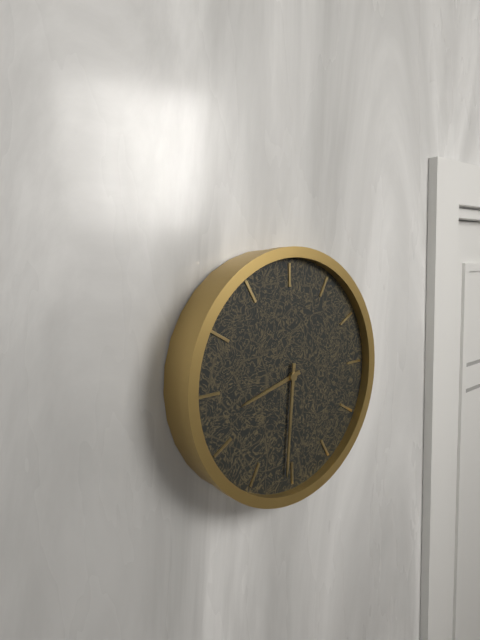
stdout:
{"hour": 8, "minute": 31}
